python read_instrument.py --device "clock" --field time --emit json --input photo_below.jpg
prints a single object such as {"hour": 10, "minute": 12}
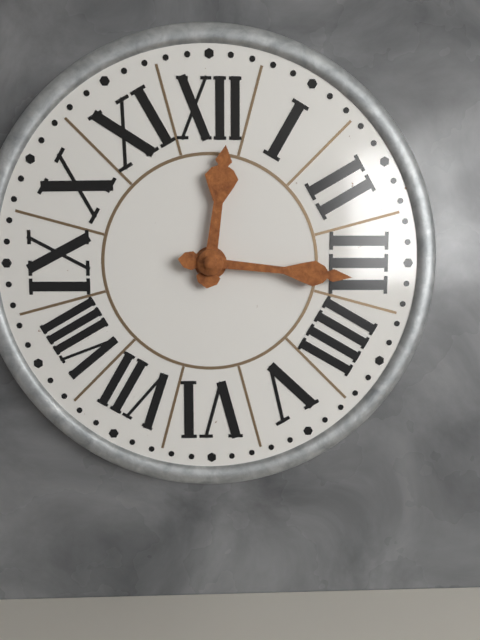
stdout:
{"hour": 12, "minute": 16}
